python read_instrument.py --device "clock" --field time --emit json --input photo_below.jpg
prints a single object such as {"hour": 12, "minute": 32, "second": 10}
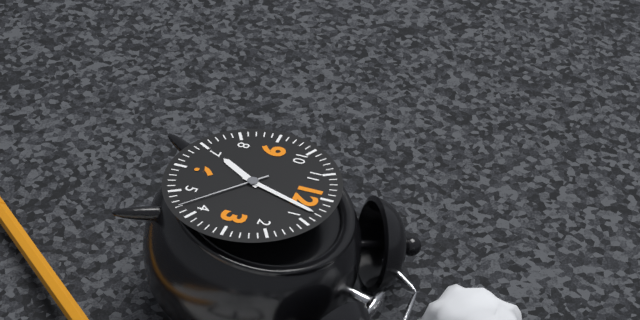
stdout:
{"hour": 7, "minute": 3, "second": 22}
